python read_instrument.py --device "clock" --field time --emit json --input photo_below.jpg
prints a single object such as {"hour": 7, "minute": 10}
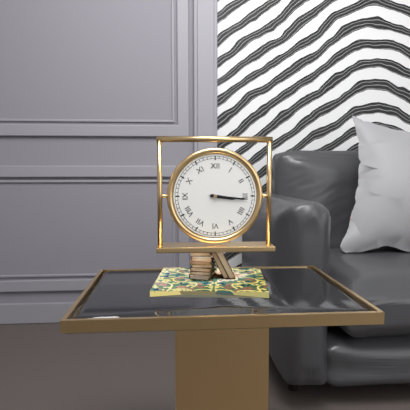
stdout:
{"hour": 3, "minute": 16}
